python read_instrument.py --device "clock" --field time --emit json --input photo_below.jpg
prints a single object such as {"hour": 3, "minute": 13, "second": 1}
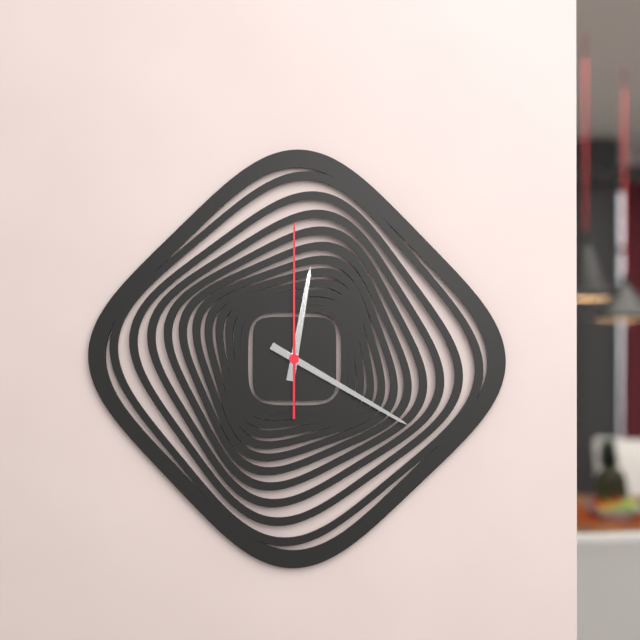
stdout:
{"hour": 12, "minute": 20, "second": 0}
